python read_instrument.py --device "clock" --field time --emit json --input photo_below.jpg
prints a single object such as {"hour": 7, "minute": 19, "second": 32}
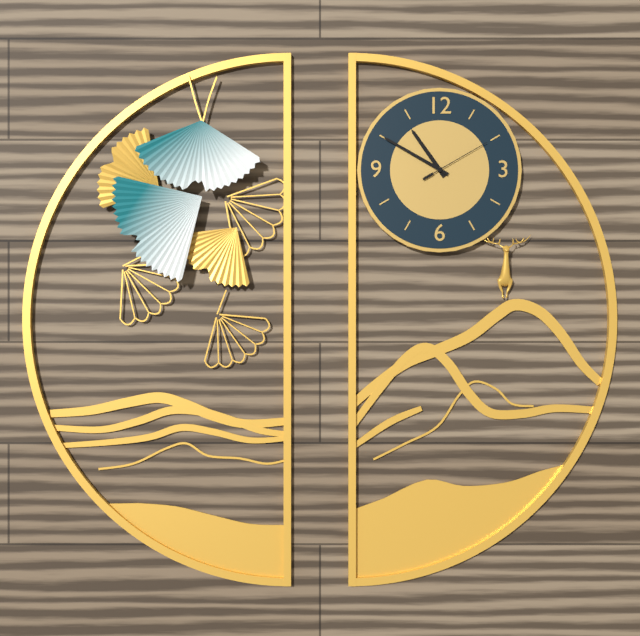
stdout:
{"hour": 10, "minute": 50, "second": 10}
